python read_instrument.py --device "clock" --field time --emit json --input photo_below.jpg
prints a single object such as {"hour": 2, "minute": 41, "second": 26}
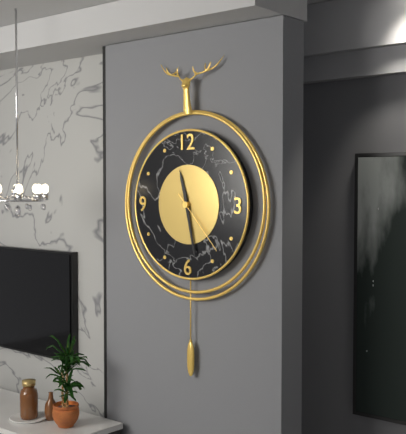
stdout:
{"hour": 11, "minute": 28, "second": 23}
